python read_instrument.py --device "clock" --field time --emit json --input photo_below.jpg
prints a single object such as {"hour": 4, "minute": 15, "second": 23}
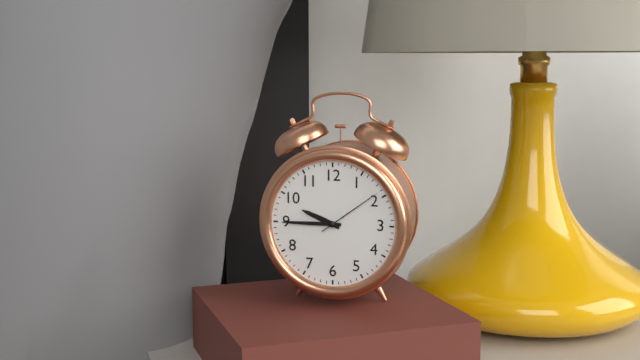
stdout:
{"hour": 9, "minute": 45, "second": 9}
